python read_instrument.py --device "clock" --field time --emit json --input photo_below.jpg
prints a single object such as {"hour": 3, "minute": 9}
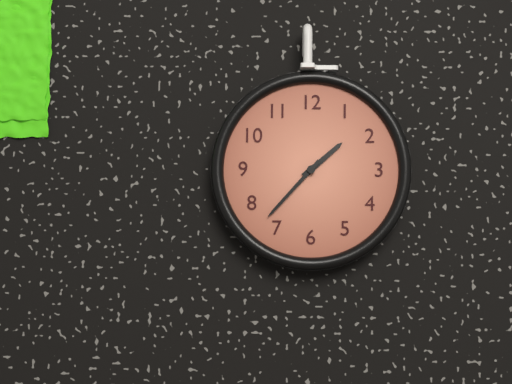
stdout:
{"hour": 1, "minute": 37}
